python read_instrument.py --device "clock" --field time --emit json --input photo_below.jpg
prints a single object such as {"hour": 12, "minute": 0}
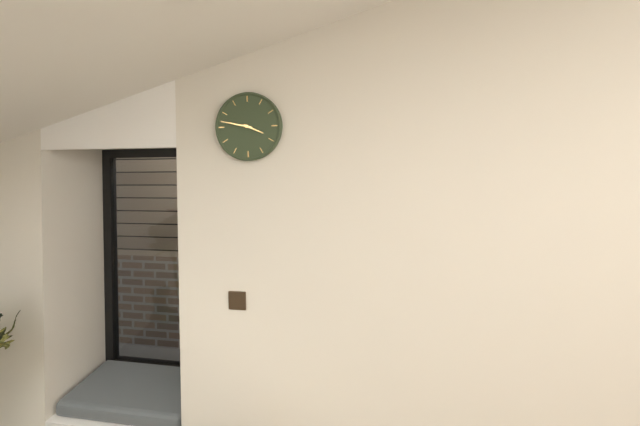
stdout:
{"hour": 3, "minute": 47}
